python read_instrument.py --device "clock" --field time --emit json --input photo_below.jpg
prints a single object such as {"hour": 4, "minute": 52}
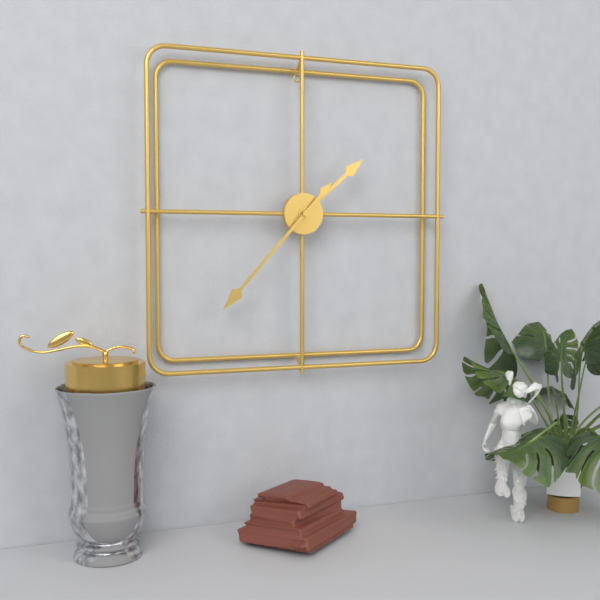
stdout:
{"hour": 1, "minute": 37}
